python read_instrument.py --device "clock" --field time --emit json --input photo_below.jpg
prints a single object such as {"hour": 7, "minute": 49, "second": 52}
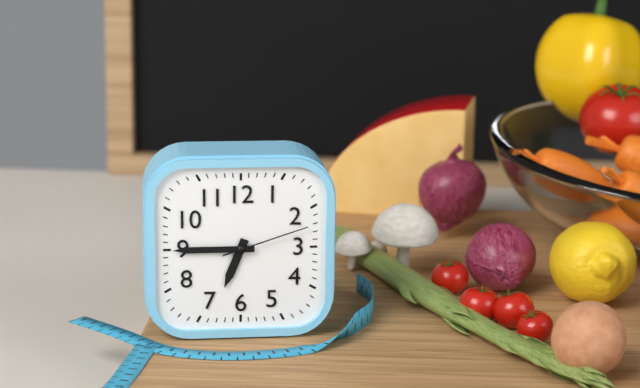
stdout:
{"hour": 6, "minute": 45, "second": 12}
